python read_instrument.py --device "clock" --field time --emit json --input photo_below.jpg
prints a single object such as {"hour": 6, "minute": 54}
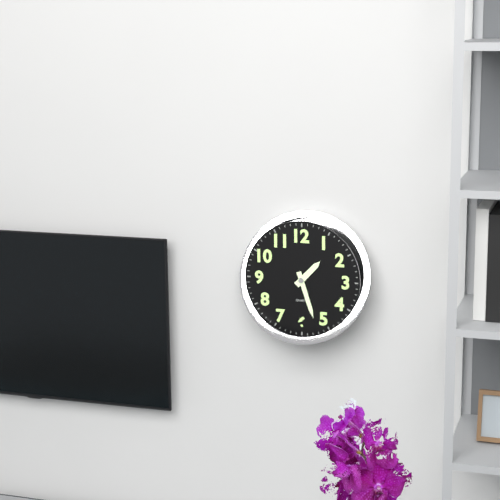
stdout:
{"hour": 1, "minute": 27}
